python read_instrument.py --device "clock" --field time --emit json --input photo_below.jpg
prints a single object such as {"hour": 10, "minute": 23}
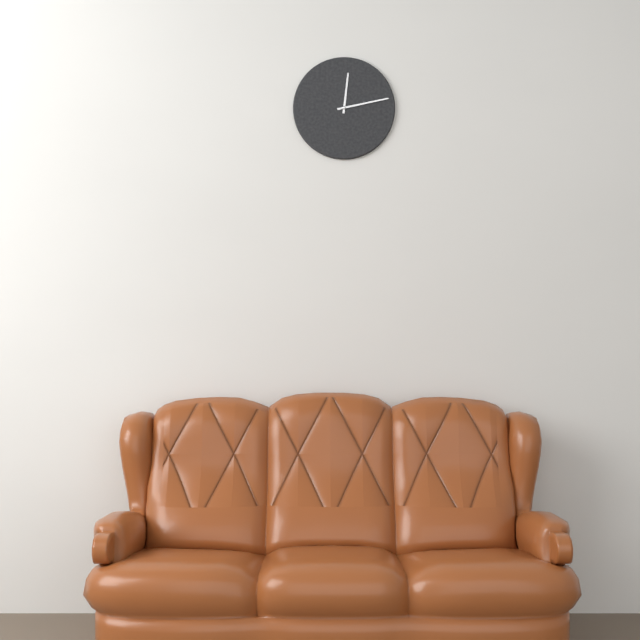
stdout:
{"hour": 12, "minute": 13}
